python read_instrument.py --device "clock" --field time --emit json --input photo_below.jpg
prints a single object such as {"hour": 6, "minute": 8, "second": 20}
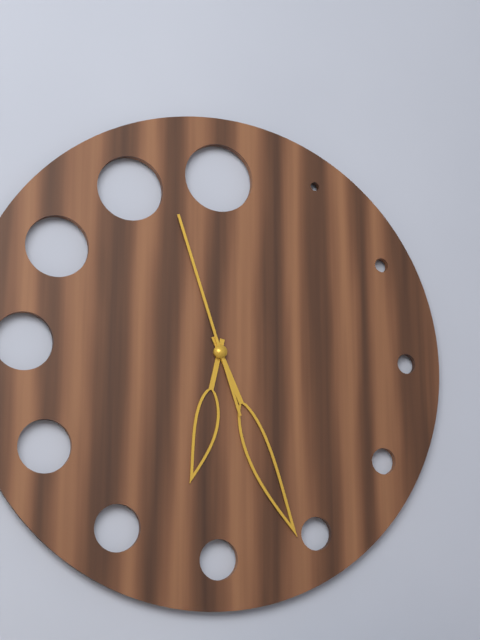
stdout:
{"hour": 6, "minute": 26, "second": 57}
